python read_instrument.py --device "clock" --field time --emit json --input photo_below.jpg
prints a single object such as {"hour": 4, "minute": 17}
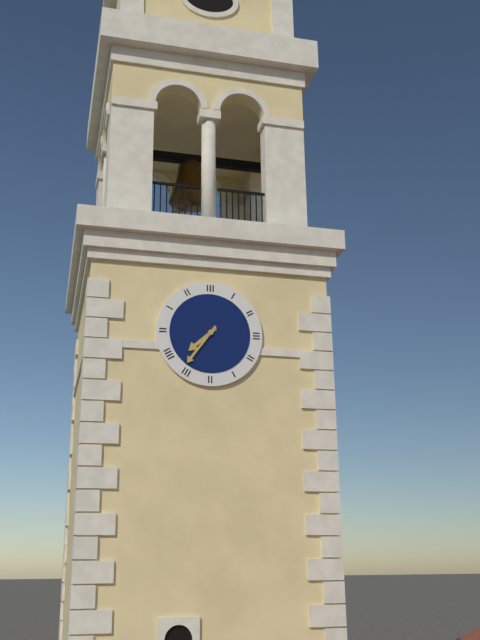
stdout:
{"hour": 7, "minute": 36}
